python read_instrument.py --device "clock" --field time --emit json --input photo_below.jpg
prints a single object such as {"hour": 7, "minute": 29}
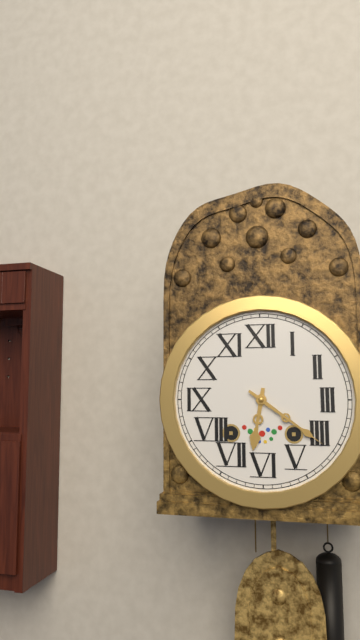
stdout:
{"hour": 6, "minute": 21}
